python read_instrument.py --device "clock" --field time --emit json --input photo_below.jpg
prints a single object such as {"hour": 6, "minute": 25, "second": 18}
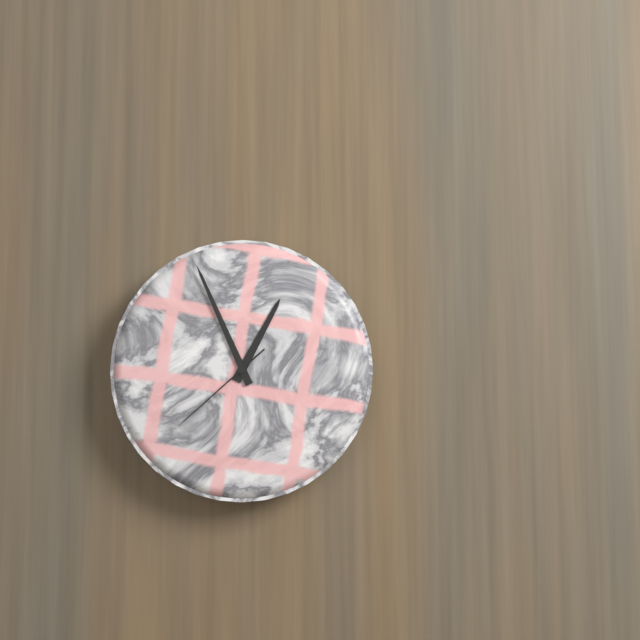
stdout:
{"hour": 12, "minute": 56, "second": 38}
